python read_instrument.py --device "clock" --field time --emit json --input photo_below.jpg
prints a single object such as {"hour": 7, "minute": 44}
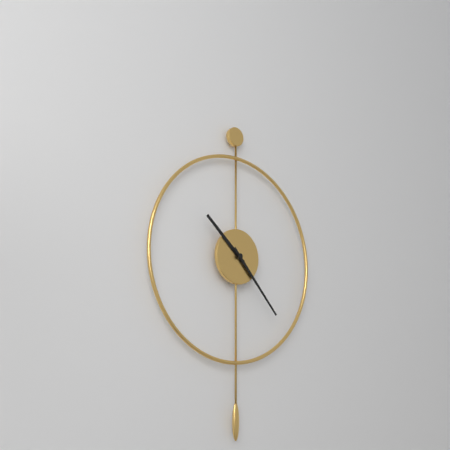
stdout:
{"hour": 10, "minute": 23}
